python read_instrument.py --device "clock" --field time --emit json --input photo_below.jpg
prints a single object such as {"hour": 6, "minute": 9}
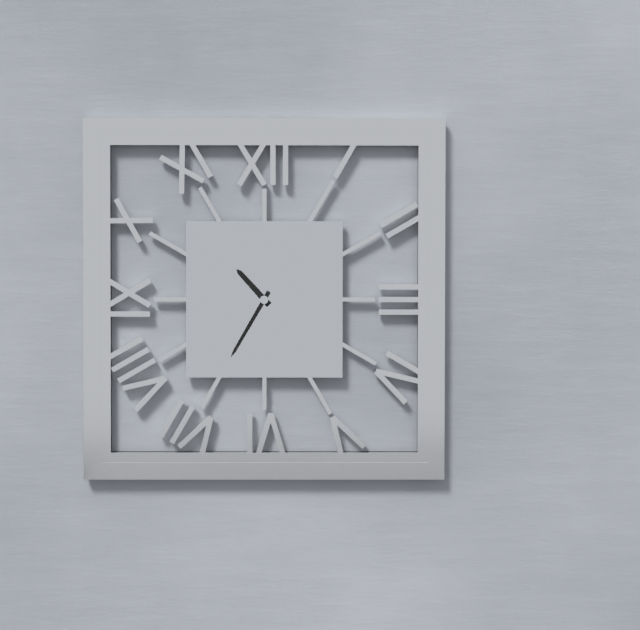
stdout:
{"hour": 10, "minute": 35}
